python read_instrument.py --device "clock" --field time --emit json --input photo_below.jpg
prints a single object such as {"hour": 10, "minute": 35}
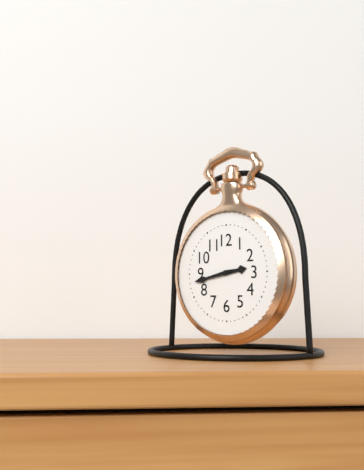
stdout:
{"hour": 2, "minute": 43}
